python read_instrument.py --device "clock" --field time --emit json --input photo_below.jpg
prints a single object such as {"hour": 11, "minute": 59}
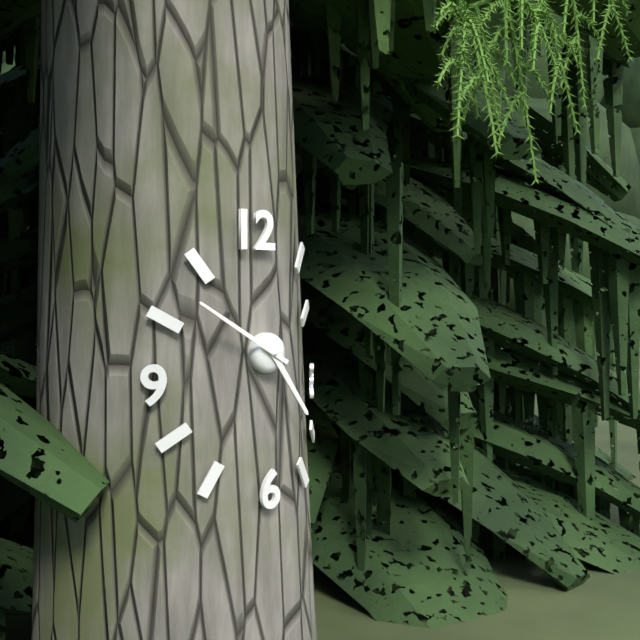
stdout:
{"hour": 4, "minute": 50}
